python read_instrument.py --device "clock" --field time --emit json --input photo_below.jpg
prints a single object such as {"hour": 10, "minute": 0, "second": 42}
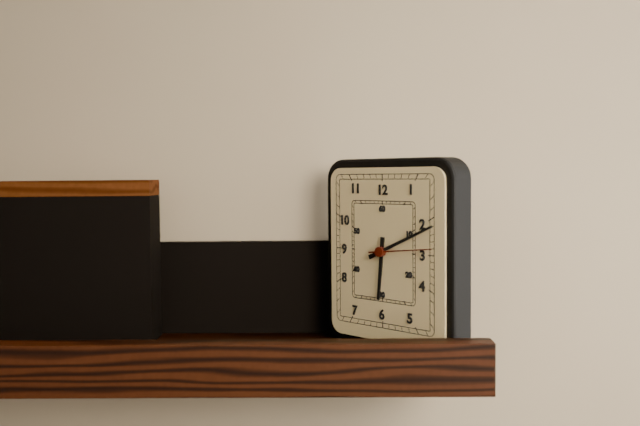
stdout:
{"hour": 6, "minute": 11, "second": 14}
